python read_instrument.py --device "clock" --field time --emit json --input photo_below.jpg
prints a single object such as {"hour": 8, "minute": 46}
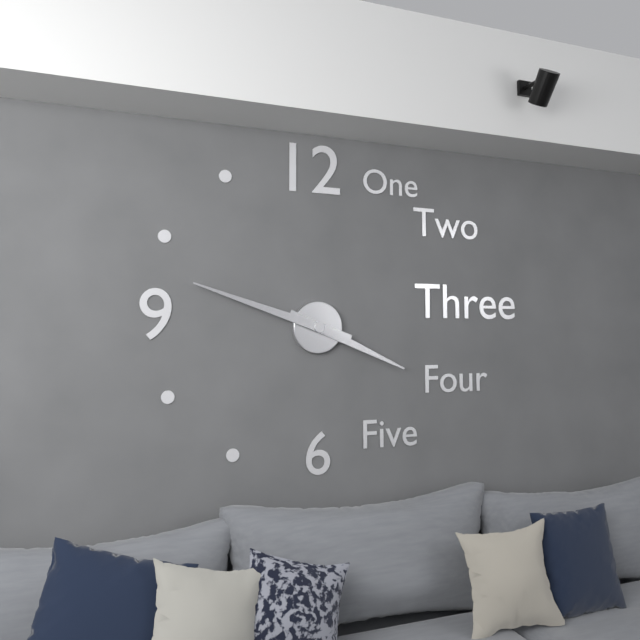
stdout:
{"hour": 3, "minute": 48}
